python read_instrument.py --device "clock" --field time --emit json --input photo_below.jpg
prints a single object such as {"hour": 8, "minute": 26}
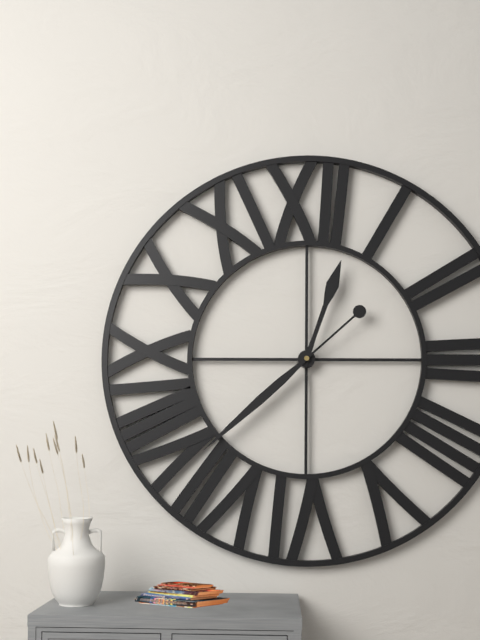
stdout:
{"hour": 12, "minute": 38}
